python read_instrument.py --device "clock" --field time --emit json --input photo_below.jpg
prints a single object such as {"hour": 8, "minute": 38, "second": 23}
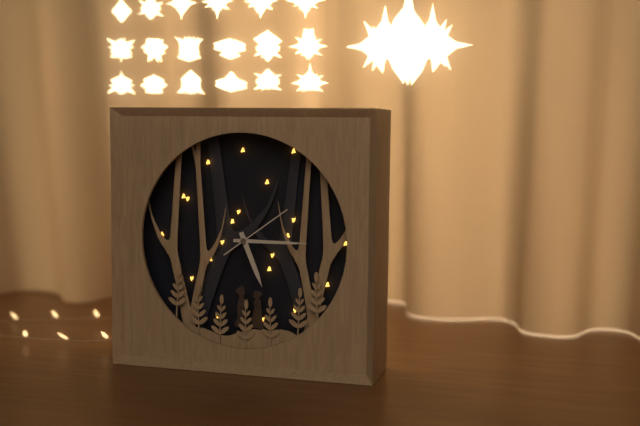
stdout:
{"hour": 5, "minute": 15, "second": 9}
